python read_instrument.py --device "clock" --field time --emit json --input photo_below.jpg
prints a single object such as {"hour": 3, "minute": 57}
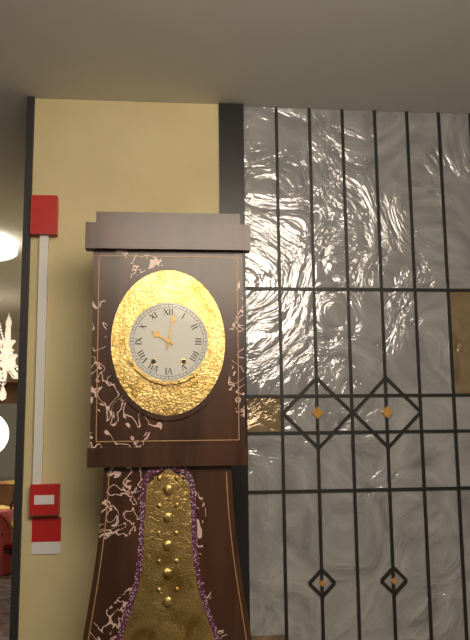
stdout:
{"hour": 10, "minute": 2}
